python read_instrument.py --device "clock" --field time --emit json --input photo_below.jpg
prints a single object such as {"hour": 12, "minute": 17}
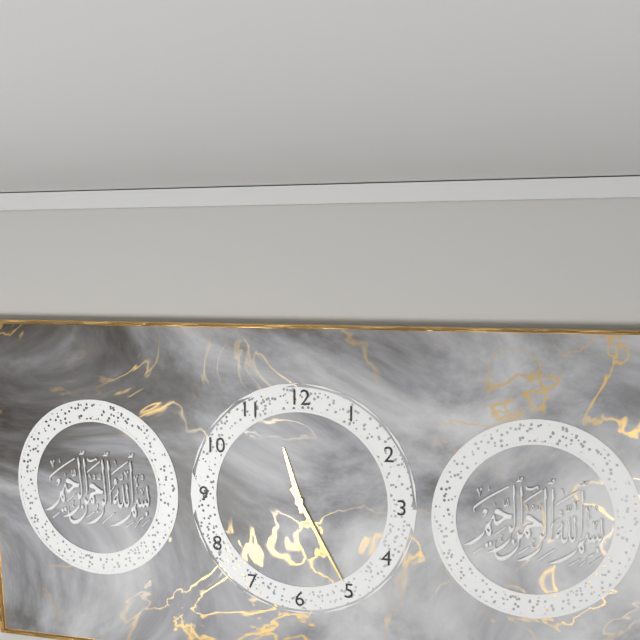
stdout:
{"hour": 11, "minute": 25}
